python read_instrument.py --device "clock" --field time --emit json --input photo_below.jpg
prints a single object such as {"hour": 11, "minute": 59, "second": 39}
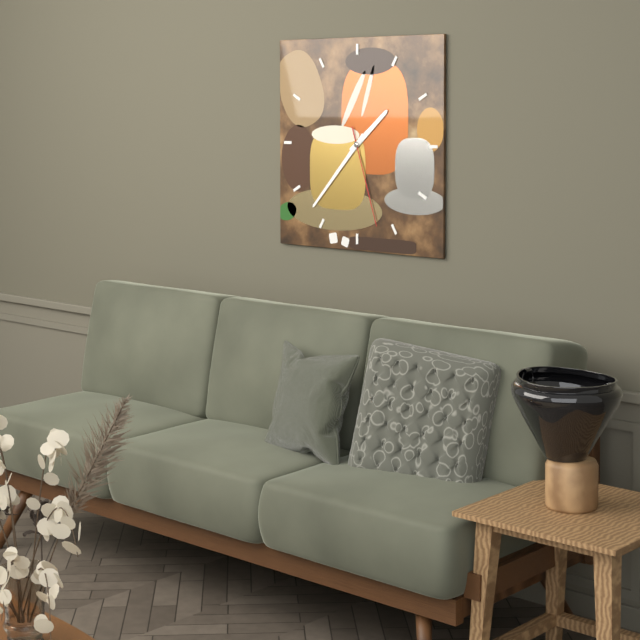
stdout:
{"hour": 1, "minute": 37, "second": 27}
